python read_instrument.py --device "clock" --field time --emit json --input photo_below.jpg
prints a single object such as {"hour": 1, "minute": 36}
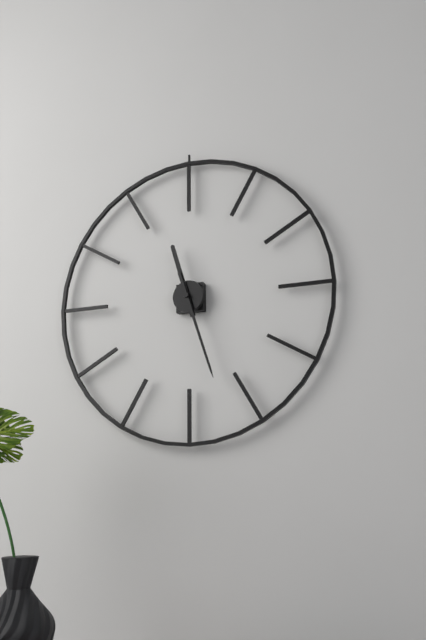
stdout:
{"hour": 11, "minute": 27}
